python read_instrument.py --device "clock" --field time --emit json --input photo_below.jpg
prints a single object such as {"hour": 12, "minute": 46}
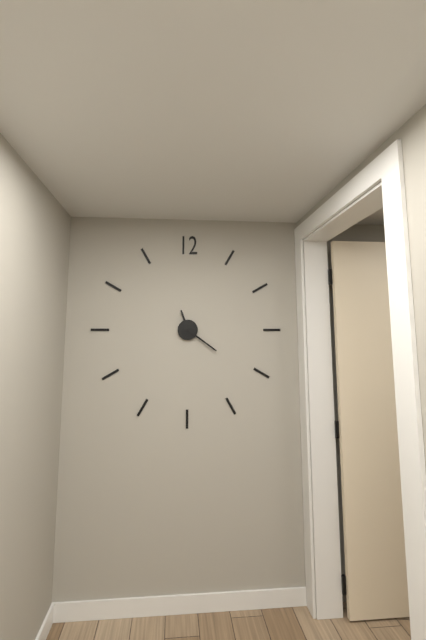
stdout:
{"hour": 11, "minute": 21}
